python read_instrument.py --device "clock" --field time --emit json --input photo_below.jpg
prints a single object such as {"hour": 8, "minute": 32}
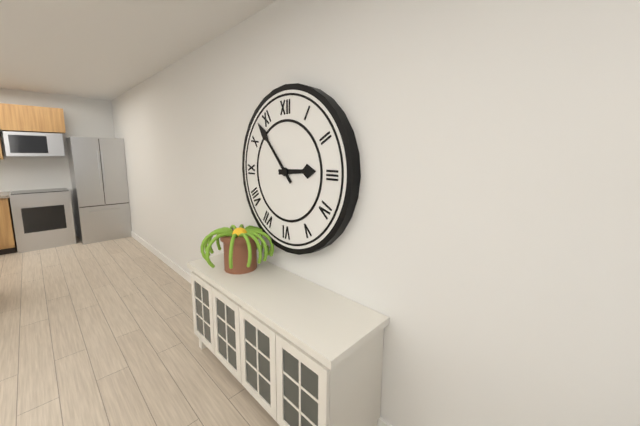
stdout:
{"hour": 2, "minute": 53}
